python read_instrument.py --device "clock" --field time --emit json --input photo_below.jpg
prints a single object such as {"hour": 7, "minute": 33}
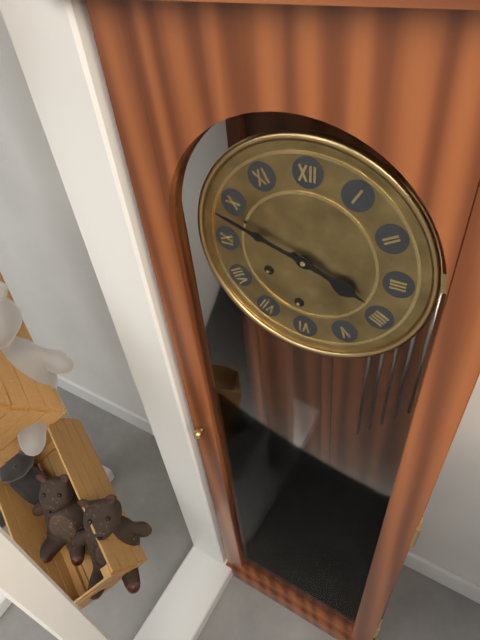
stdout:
{"hour": 3, "minute": 48}
